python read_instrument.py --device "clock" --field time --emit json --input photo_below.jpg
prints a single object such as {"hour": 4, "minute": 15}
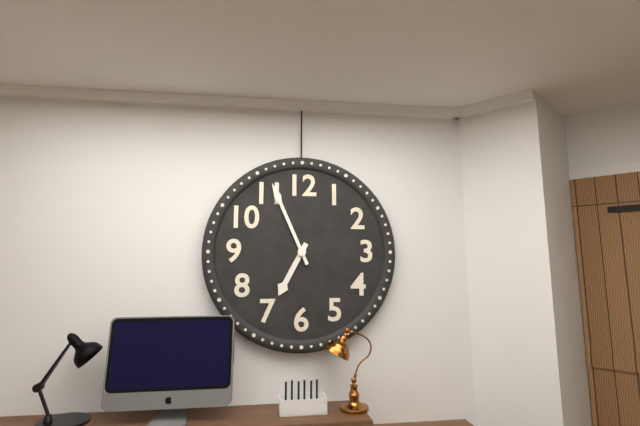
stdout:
{"hour": 6, "minute": 56}
